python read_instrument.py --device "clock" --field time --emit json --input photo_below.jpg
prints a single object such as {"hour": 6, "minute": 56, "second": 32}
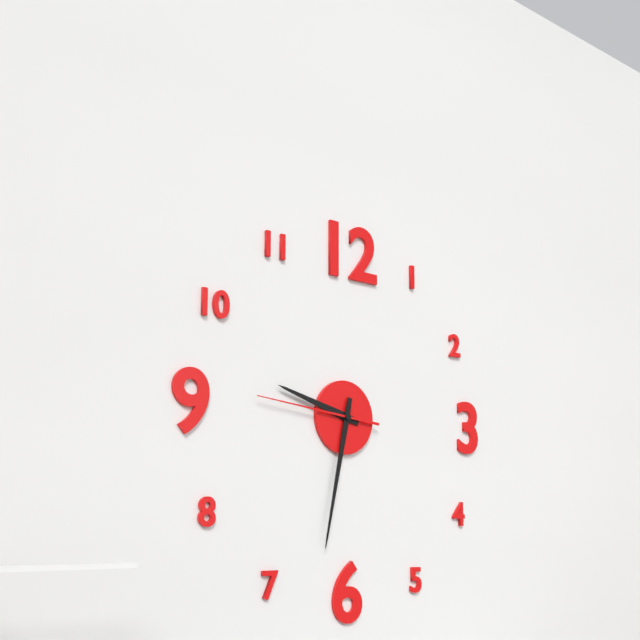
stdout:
{"hour": 9, "minute": 32, "second": 46}
